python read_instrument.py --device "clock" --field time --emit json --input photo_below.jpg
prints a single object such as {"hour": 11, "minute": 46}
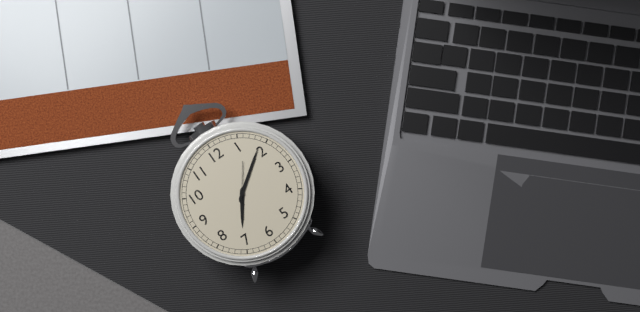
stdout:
{"hour": 7, "minute": 9}
